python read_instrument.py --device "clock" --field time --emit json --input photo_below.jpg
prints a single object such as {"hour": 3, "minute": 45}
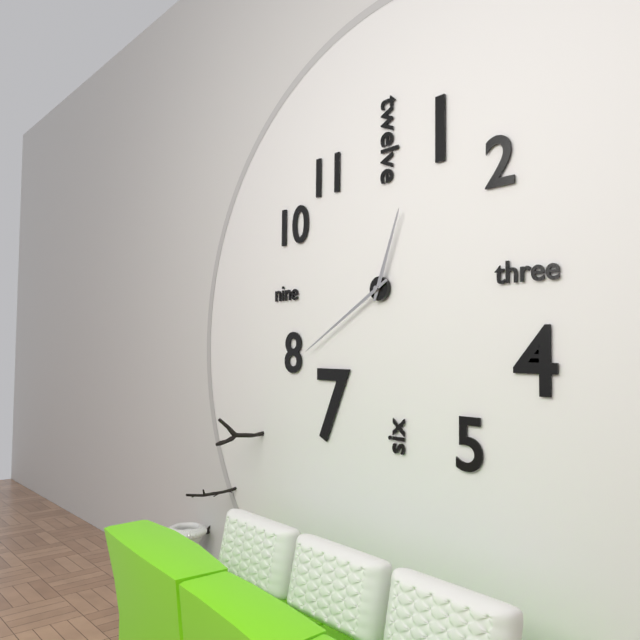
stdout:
{"hour": 12, "minute": 40}
